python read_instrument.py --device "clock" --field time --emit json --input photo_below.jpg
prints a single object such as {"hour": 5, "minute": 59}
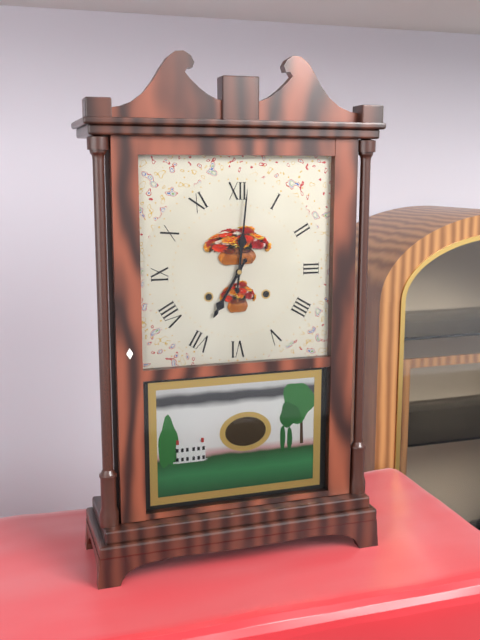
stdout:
{"hour": 7, "minute": 1}
